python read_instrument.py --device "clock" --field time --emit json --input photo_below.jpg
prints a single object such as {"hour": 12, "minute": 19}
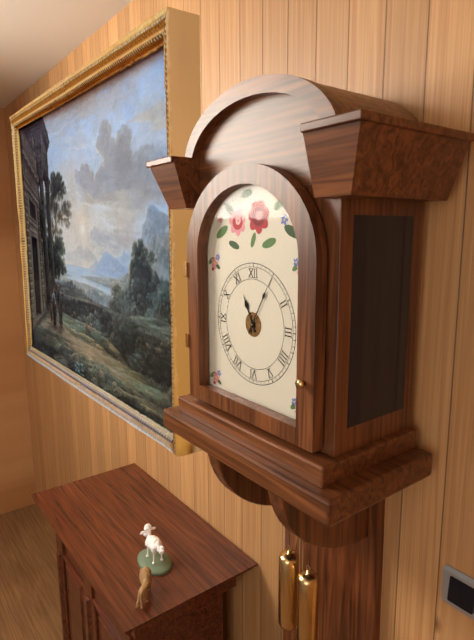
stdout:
{"hour": 11, "minute": 5}
